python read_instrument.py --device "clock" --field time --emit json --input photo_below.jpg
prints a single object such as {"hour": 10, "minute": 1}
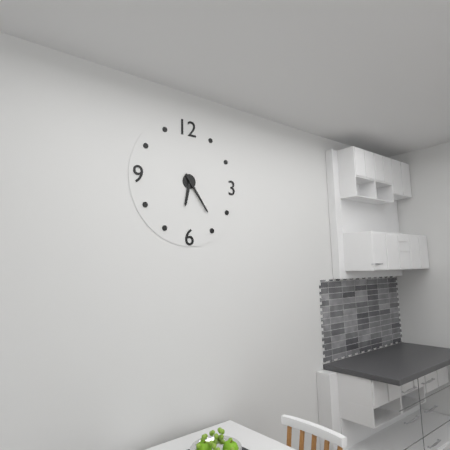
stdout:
{"hour": 6, "minute": 24}
